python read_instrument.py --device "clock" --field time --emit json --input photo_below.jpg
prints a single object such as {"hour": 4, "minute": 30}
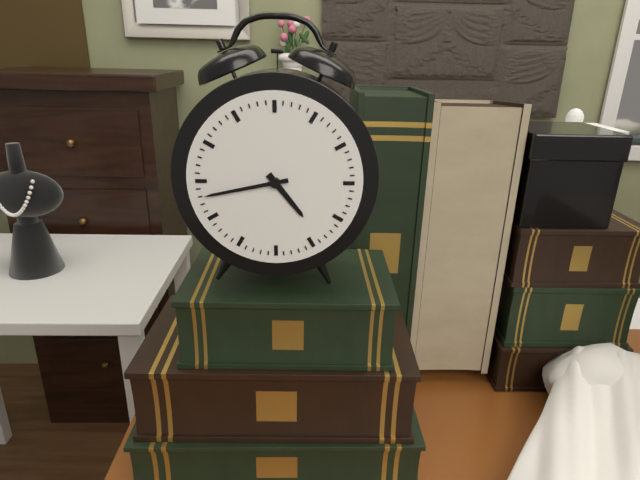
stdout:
{"hour": 4, "minute": 43}
